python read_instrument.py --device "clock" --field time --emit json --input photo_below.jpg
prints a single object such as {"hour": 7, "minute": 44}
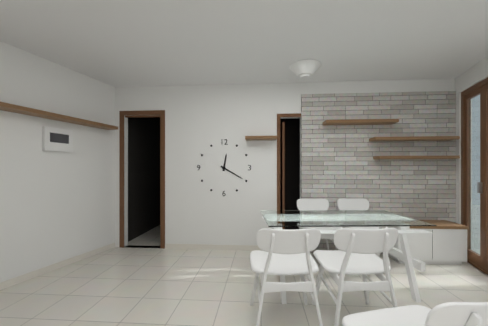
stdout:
{"hour": 12, "minute": 20}
